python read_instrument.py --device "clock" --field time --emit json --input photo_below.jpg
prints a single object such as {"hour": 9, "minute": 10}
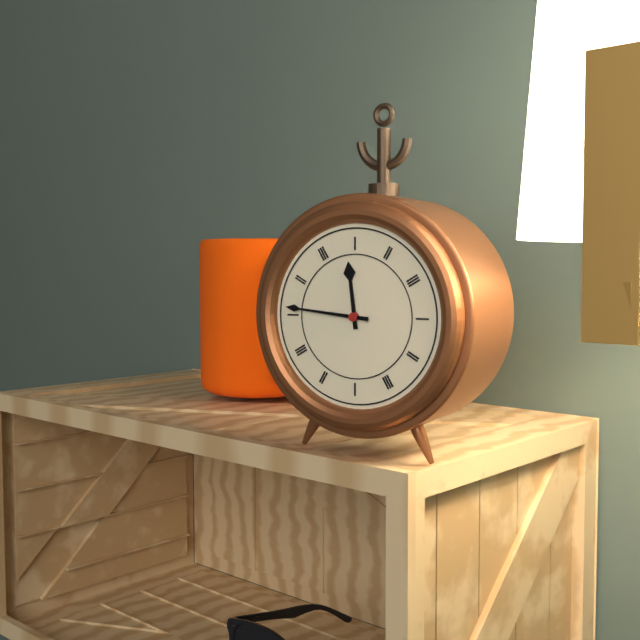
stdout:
{"hour": 11, "minute": 46}
